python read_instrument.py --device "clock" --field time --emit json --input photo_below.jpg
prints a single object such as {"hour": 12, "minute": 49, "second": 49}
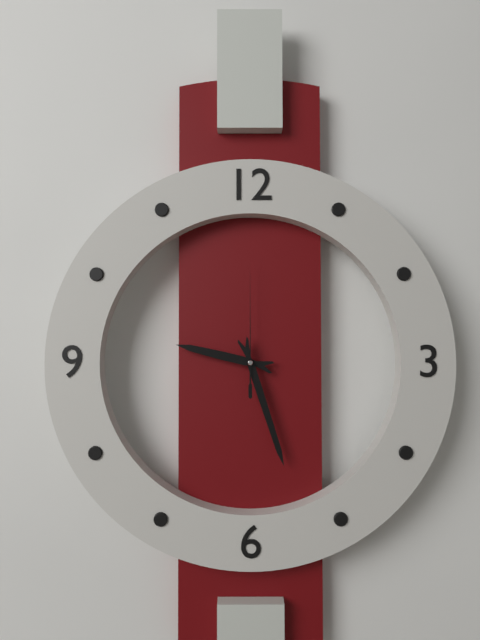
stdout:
{"hour": 9, "minute": 27, "second": 0}
